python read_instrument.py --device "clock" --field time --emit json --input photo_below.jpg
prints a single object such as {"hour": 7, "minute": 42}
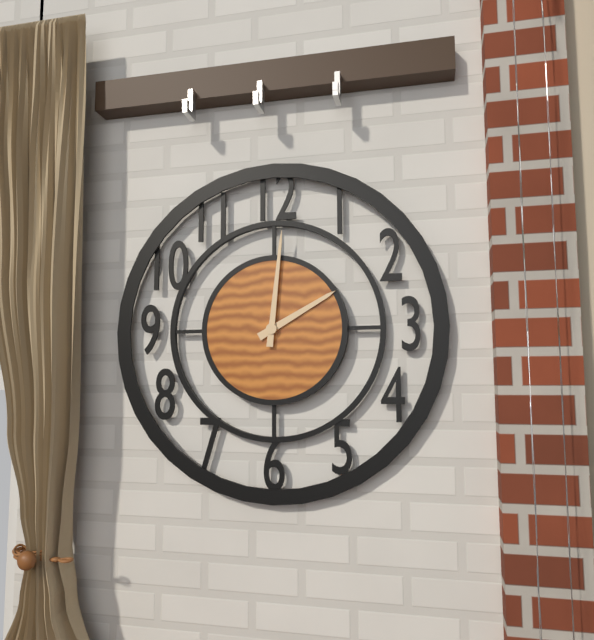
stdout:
{"hour": 2, "minute": 1}
